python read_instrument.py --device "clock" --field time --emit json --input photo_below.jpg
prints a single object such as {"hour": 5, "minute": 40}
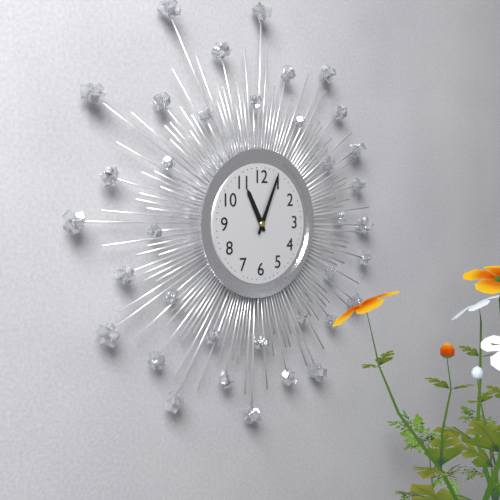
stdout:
{"hour": 11, "minute": 4}
